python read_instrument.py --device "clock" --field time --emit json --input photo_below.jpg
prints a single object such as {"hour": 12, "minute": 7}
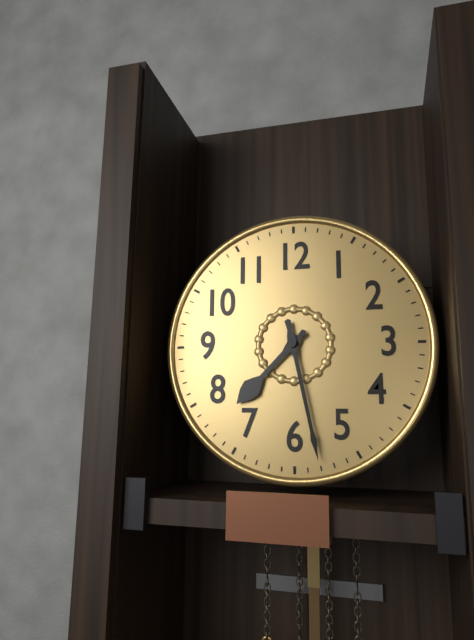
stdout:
{"hour": 7, "minute": 28}
